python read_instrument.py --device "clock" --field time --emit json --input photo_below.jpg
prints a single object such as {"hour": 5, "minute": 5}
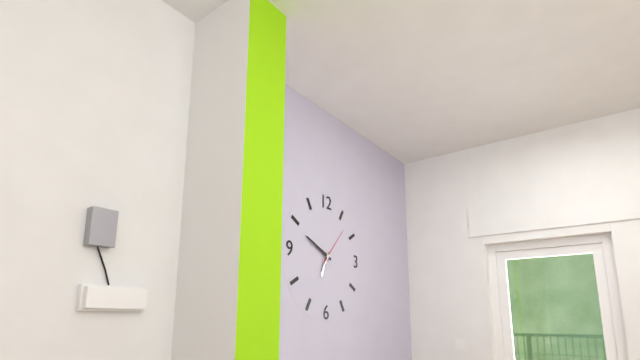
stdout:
{"hour": 6, "minute": 49}
